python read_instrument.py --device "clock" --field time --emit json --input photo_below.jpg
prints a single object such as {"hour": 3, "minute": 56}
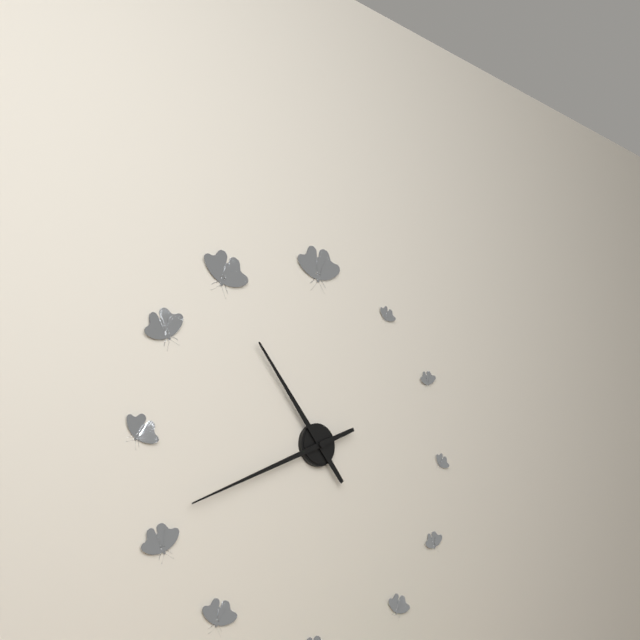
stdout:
{"hour": 10, "minute": 41}
